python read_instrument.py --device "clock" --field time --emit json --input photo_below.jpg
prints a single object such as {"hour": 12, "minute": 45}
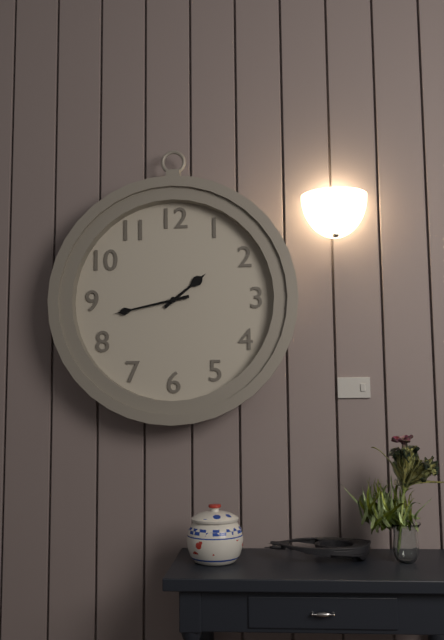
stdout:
{"hour": 1, "minute": 43}
